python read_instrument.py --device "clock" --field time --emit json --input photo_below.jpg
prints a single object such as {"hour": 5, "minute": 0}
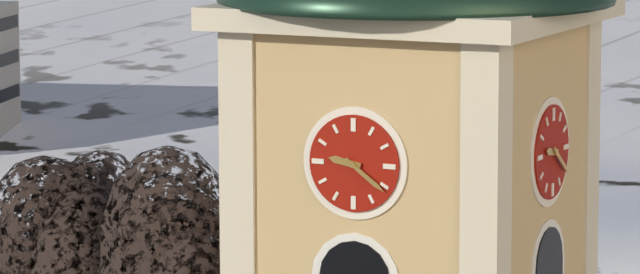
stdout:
{"hour": 9, "minute": 21}
